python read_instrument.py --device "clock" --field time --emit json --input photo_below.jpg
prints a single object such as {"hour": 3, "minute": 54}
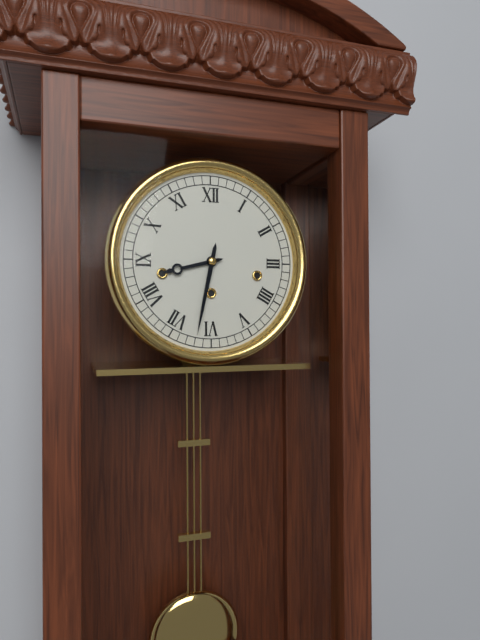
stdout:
{"hour": 8, "minute": 32}
